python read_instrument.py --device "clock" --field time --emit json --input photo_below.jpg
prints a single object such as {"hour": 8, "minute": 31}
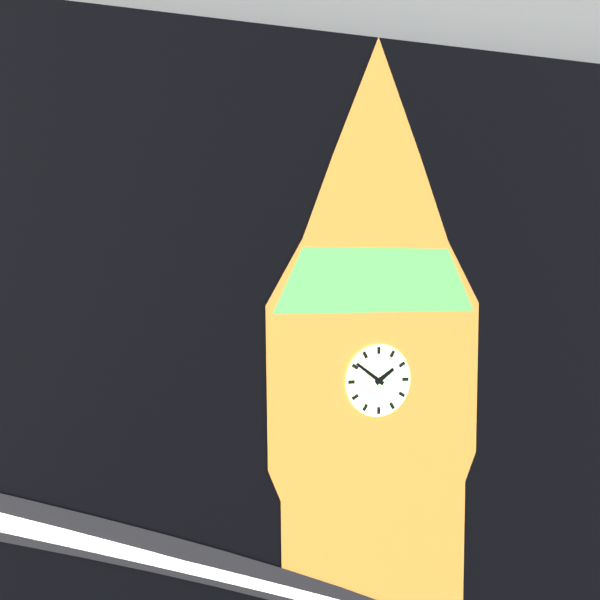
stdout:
{"hour": 1, "minute": 51}
